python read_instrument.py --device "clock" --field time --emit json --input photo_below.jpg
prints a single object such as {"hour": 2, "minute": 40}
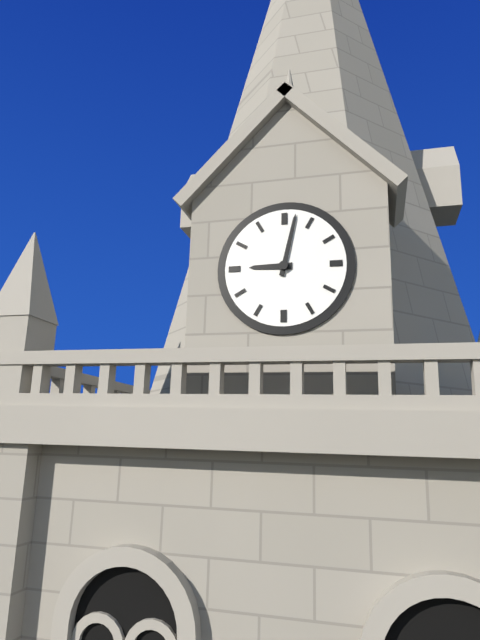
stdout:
{"hour": 9, "minute": 2}
